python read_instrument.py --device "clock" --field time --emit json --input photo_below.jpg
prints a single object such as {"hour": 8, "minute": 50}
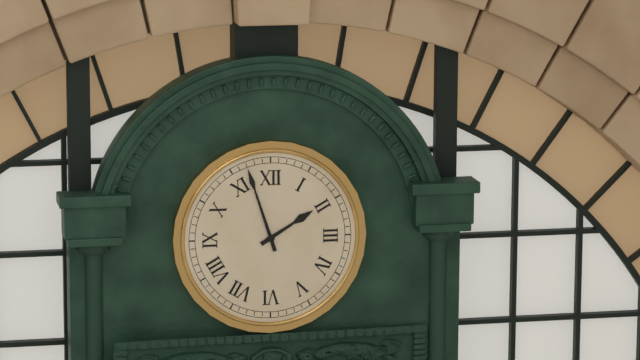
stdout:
{"hour": 1, "minute": 57}
